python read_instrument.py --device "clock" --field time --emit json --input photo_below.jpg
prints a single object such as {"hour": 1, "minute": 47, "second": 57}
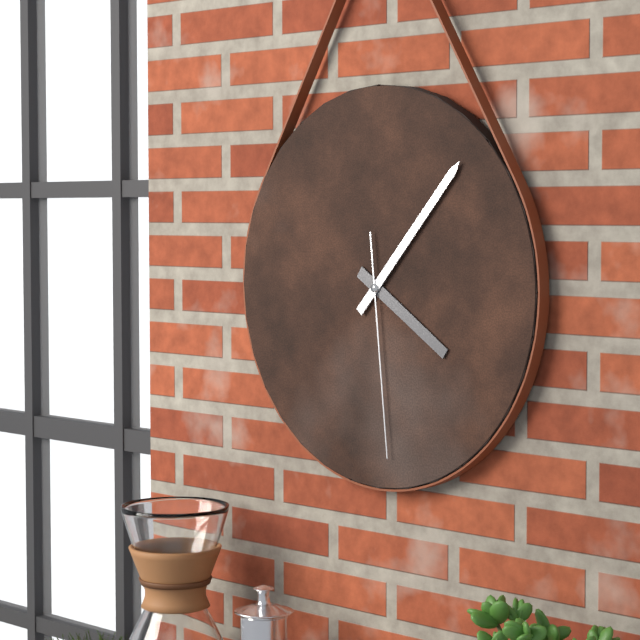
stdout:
{"hour": 4, "minute": 7, "second": 29}
